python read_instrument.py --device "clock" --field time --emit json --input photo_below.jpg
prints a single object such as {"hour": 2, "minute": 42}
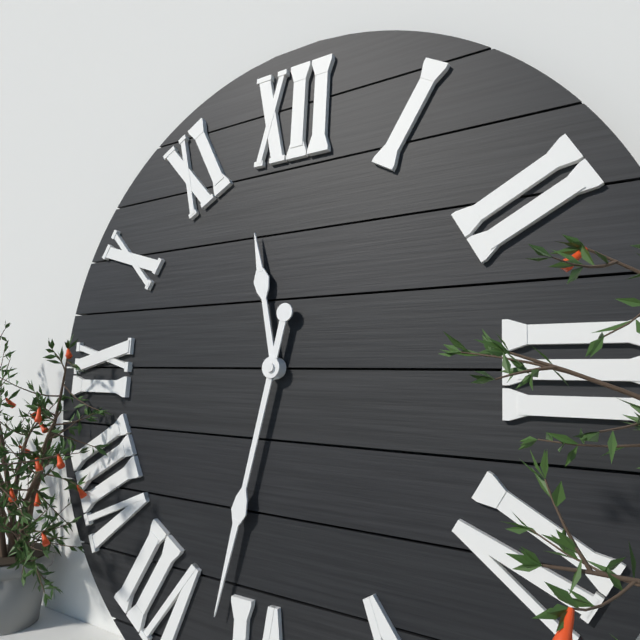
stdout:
{"hour": 11, "minute": 32}
